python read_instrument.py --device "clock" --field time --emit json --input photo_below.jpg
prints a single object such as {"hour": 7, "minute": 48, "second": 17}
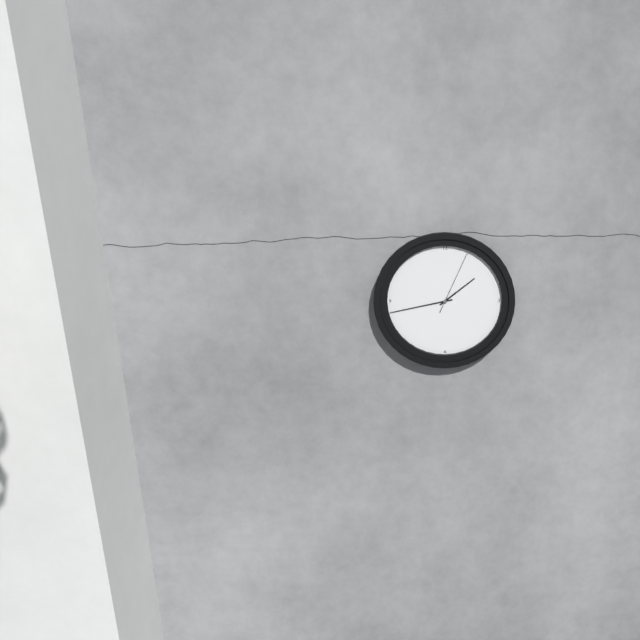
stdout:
{"hour": 1, "minute": 43, "second": 4}
